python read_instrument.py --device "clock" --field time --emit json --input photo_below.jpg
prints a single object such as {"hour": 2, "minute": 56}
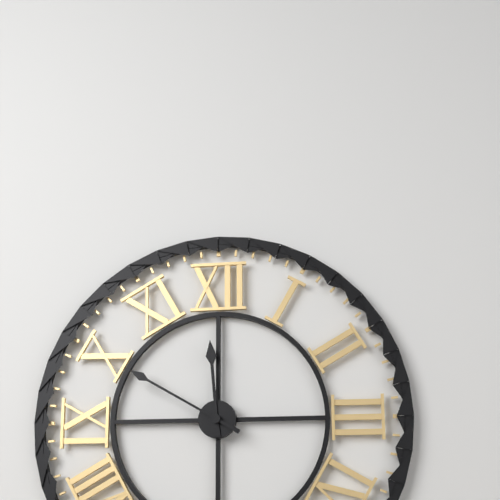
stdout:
{"hour": 11, "minute": 50}
